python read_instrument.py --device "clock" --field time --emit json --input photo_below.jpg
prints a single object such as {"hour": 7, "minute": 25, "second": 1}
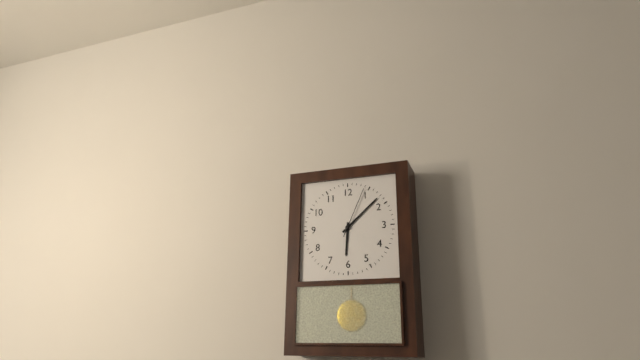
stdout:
{"hour": 6, "minute": 8, "second": 4}
